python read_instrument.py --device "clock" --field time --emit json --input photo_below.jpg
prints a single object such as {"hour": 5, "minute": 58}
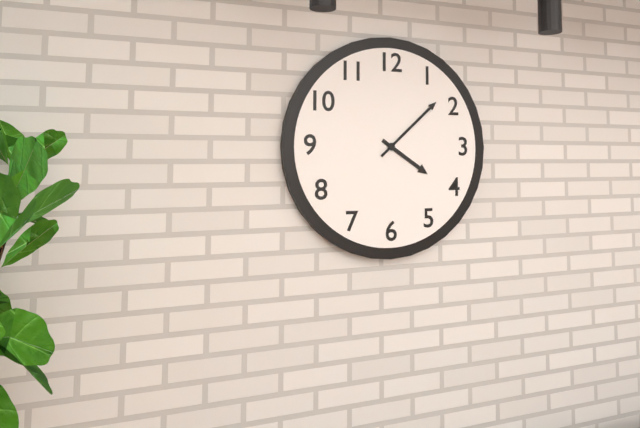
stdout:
{"hour": 4, "minute": 8}
